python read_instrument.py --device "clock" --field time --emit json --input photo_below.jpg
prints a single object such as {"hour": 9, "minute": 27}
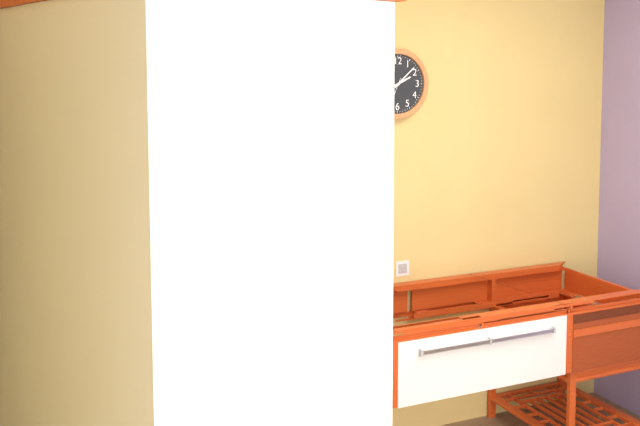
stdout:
{"hour": 2, "minute": 8}
